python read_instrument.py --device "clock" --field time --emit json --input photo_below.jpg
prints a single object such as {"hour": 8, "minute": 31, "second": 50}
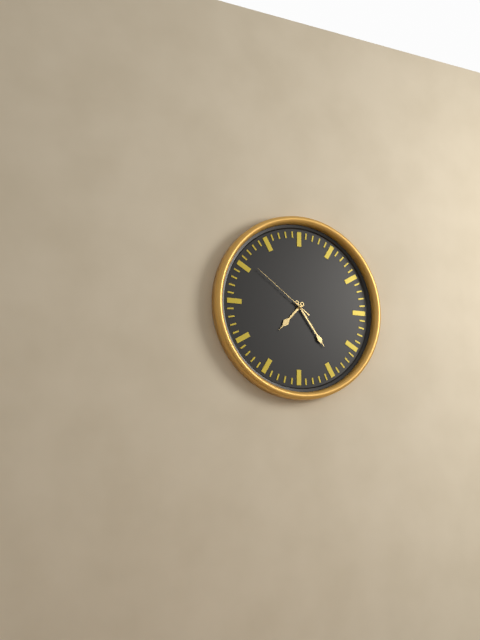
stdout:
{"hour": 7, "minute": 24, "second": 51}
